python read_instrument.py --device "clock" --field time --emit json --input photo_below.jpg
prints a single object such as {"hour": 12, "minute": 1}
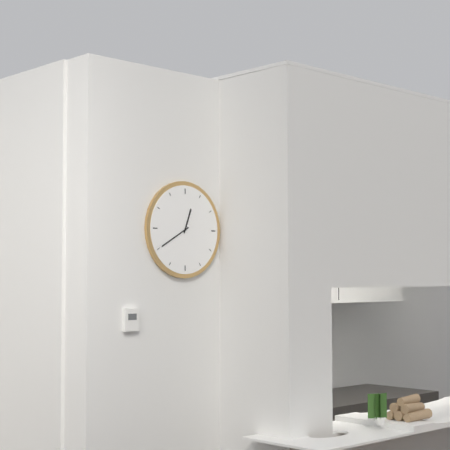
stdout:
{"hour": 12, "minute": 40}
